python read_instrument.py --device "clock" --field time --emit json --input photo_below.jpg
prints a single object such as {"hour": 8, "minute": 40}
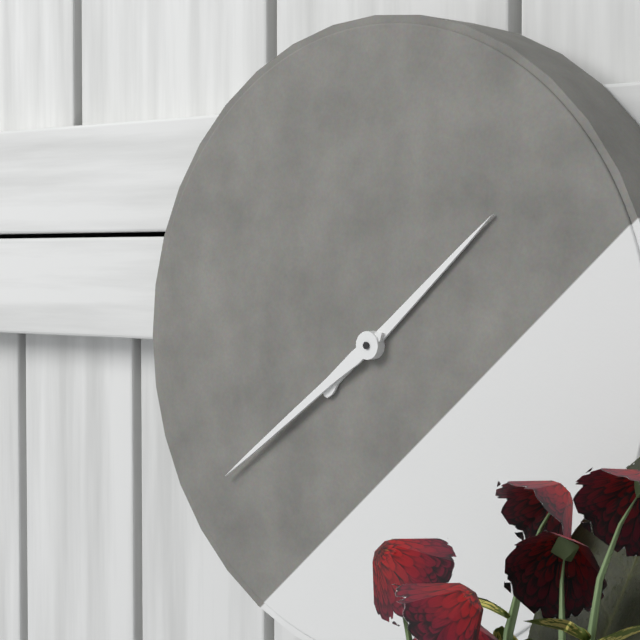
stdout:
{"hour": 1, "minute": 39}
